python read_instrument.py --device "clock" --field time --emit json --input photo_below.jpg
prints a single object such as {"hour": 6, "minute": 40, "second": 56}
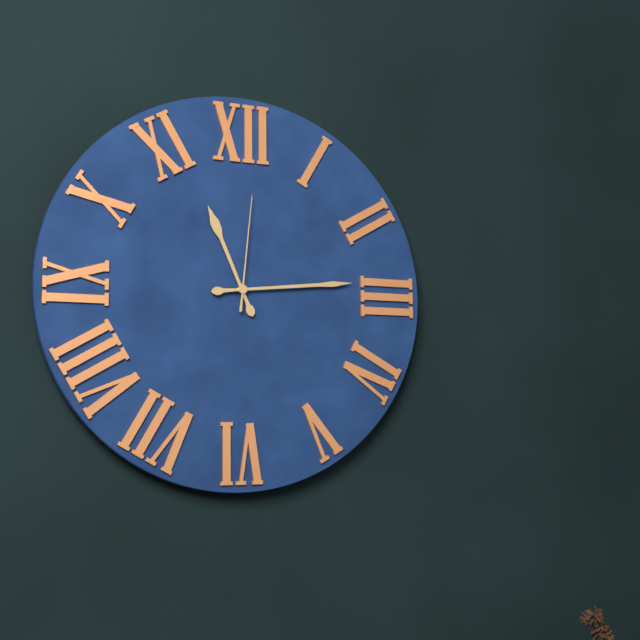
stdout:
{"hour": 11, "minute": 14, "second": 1}
